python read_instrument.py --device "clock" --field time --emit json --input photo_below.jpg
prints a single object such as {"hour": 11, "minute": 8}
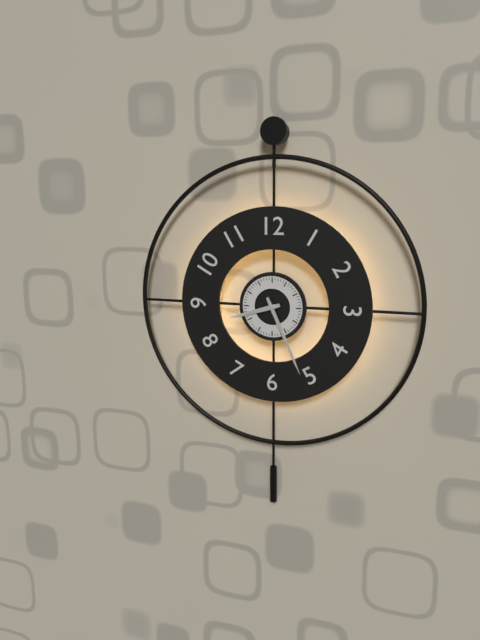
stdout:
{"hour": 8, "minute": 26}
